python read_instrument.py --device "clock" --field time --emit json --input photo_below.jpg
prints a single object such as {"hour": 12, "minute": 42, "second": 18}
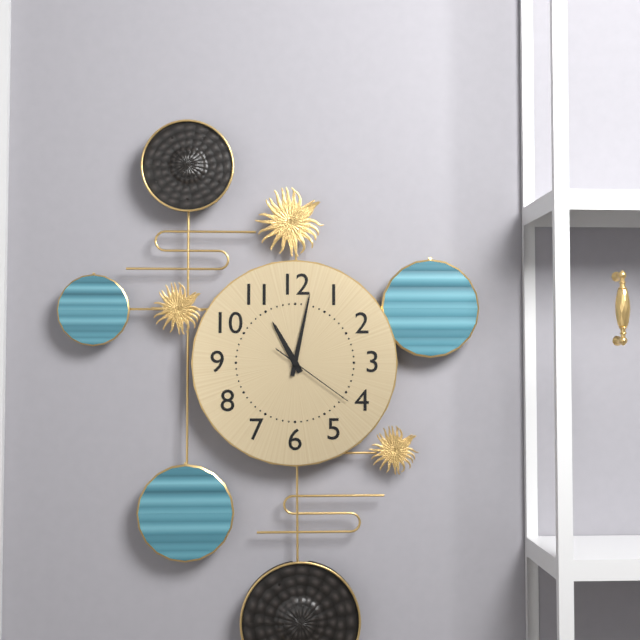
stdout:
{"hour": 11, "minute": 2, "second": 21}
